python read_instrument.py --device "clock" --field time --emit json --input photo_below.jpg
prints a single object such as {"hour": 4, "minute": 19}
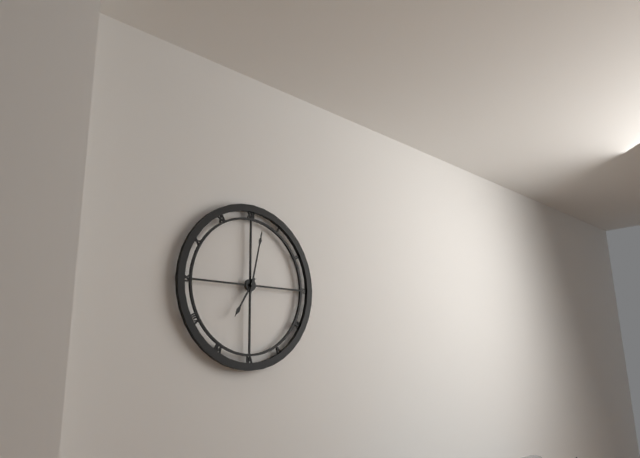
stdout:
{"hour": 7, "minute": 2}
